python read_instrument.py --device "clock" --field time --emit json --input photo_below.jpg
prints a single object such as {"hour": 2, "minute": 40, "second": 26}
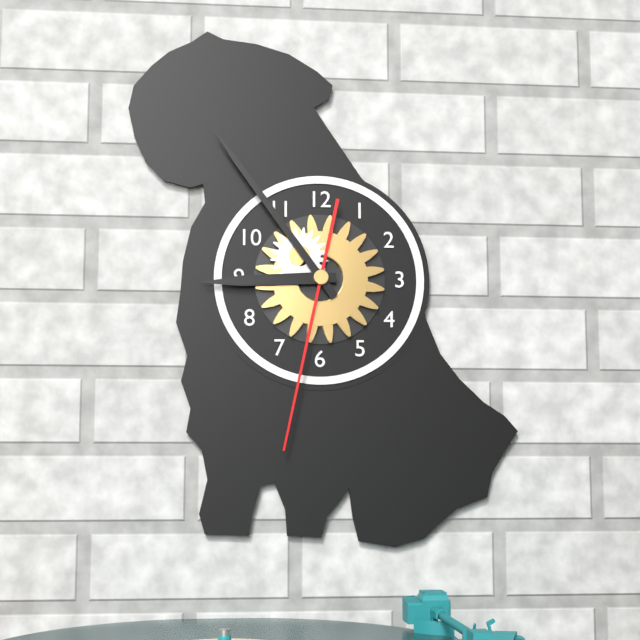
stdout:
{"hour": 8, "minute": 54, "second": 32}
